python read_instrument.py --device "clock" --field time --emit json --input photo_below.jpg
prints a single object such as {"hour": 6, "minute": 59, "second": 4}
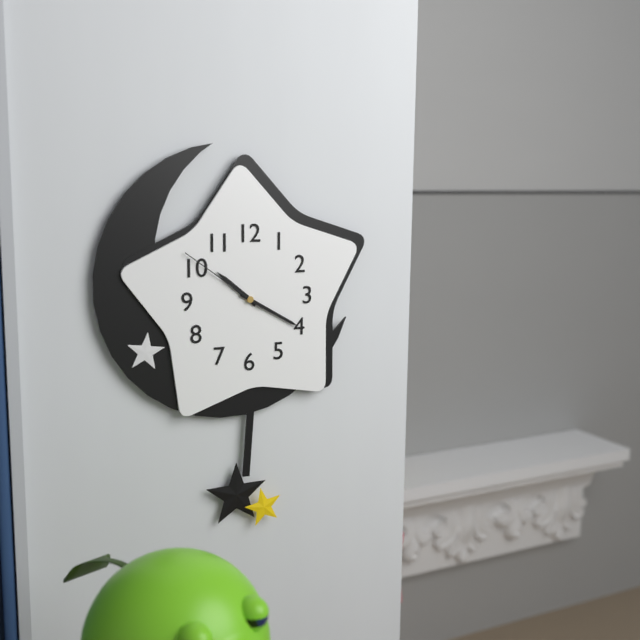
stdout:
{"hour": 10, "minute": 20, "second": 51}
